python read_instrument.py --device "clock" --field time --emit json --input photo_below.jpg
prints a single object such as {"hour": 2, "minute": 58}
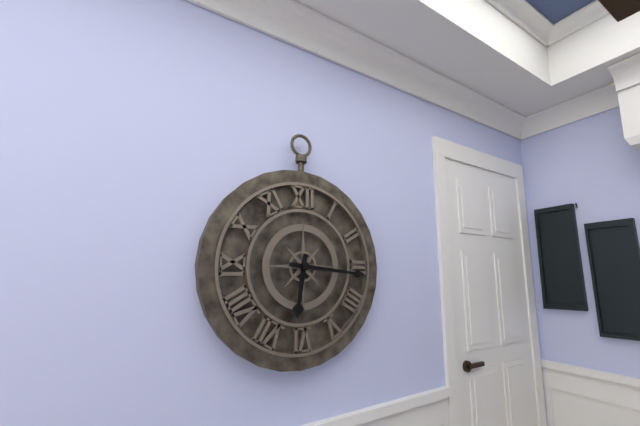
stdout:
{"hour": 6, "minute": 16}
